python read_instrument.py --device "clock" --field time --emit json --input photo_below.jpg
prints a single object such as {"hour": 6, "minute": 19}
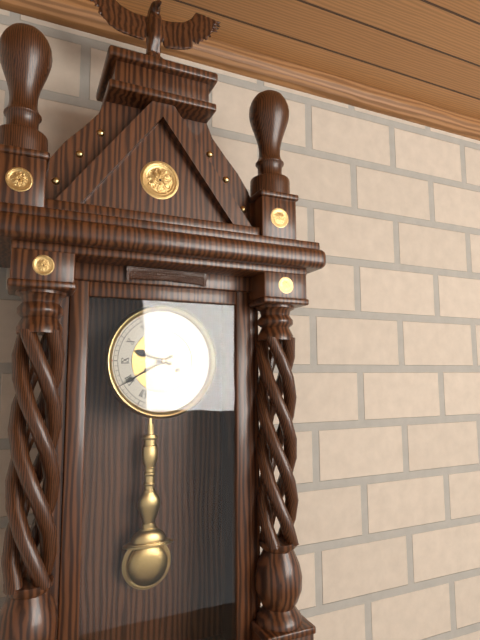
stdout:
{"hour": 9, "minute": 40}
